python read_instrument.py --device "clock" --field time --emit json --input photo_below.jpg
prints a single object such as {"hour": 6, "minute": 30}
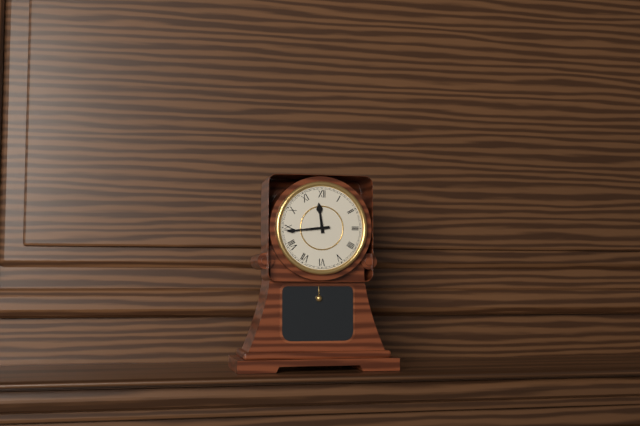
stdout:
{"hour": 11, "minute": 44}
